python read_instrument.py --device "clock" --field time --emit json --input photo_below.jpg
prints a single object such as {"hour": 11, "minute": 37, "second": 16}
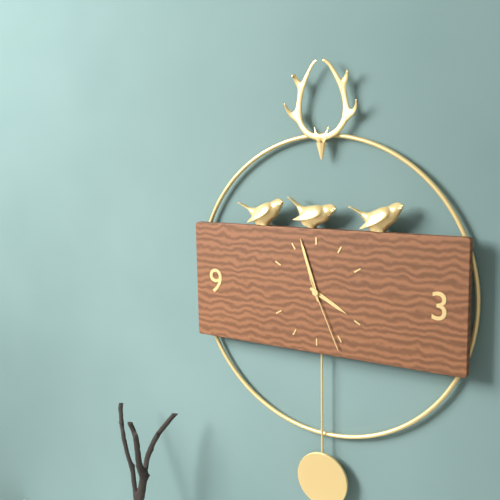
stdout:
{"hour": 3, "minute": 57, "second": 26}
